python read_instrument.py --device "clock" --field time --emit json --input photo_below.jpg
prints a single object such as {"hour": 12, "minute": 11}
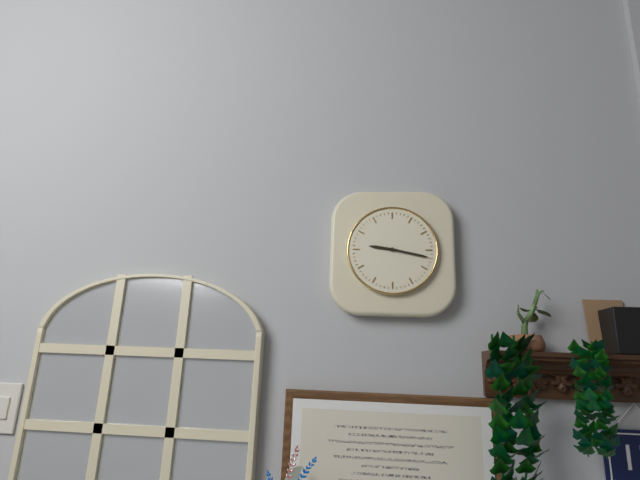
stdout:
{"hour": 9, "minute": 17}
